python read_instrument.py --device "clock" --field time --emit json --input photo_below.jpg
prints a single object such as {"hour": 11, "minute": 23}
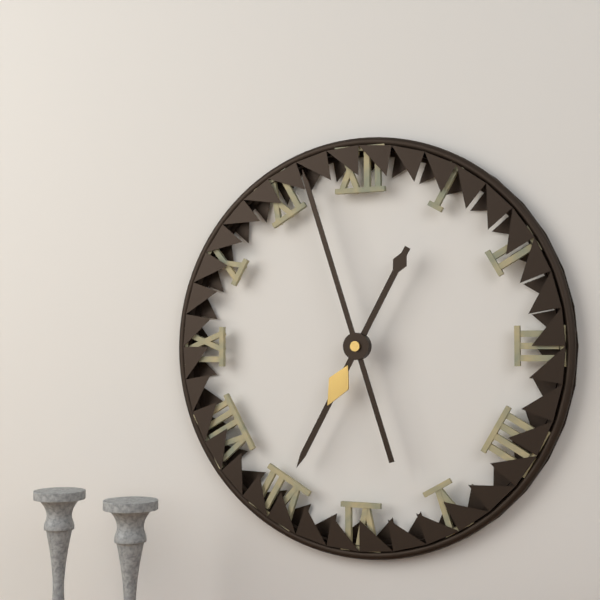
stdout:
{"hour": 6, "minute": 57}
